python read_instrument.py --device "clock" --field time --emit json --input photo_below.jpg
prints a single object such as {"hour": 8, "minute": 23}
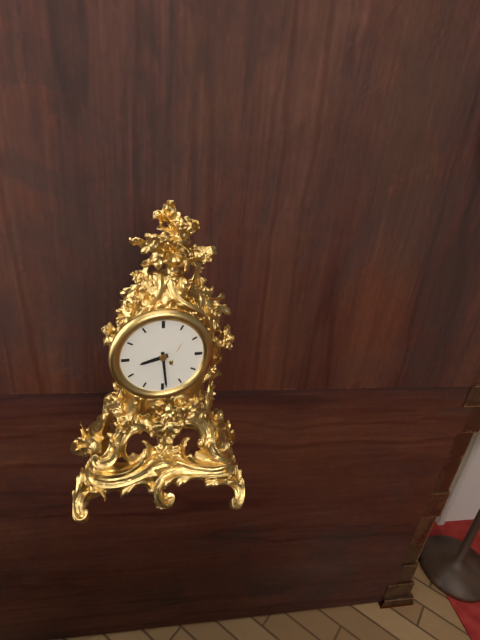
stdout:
{"hour": 8, "minute": 29}
